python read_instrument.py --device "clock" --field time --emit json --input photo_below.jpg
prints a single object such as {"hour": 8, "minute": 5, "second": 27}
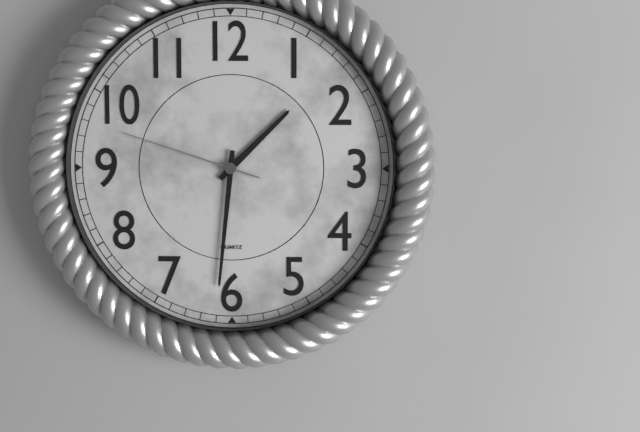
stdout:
{"hour": 1, "minute": 31, "second": 48}
